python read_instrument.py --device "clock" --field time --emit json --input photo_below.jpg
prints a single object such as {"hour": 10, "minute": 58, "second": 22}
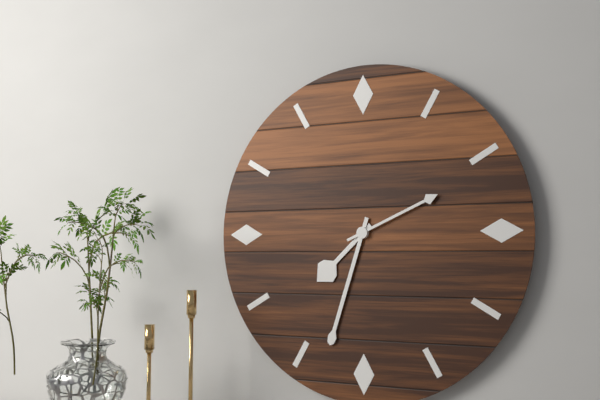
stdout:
{"hour": 7, "minute": 33, "second": 11}
